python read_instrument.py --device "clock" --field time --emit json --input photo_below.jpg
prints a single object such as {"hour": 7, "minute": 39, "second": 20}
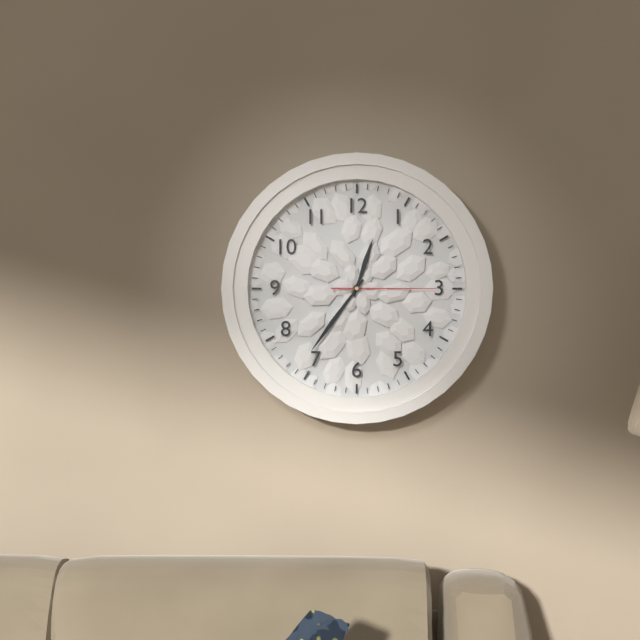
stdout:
{"hour": 12, "minute": 36, "second": 15}
